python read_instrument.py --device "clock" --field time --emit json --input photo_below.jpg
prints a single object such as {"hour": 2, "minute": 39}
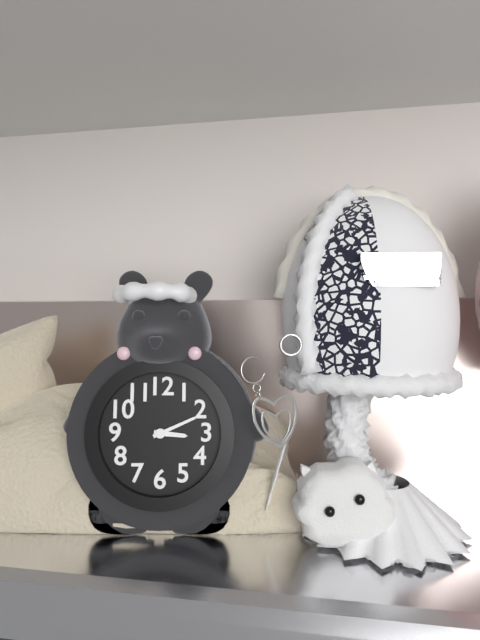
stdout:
{"hour": 3, "minute": 11}
